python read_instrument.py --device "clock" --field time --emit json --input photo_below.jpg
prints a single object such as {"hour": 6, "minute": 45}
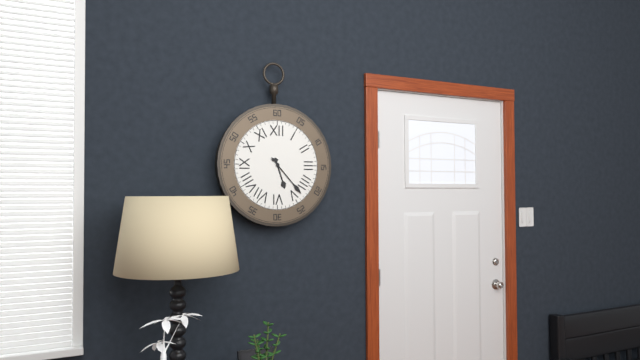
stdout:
{"hour": 5, "minute": 23}
